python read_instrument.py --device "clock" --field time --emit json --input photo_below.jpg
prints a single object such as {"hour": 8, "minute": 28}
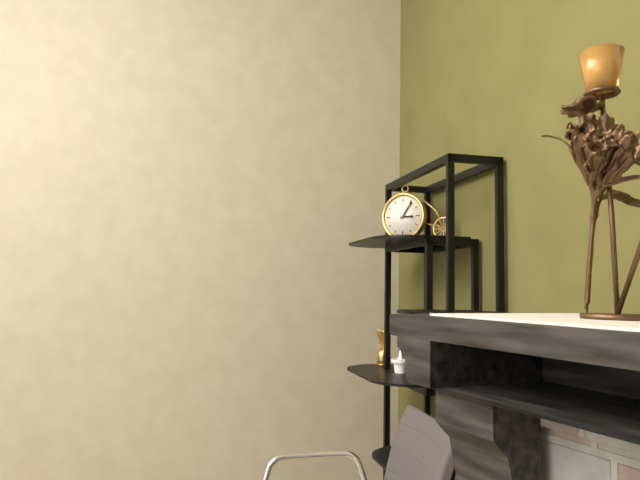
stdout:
{"hour": 3, "minute": 6}
